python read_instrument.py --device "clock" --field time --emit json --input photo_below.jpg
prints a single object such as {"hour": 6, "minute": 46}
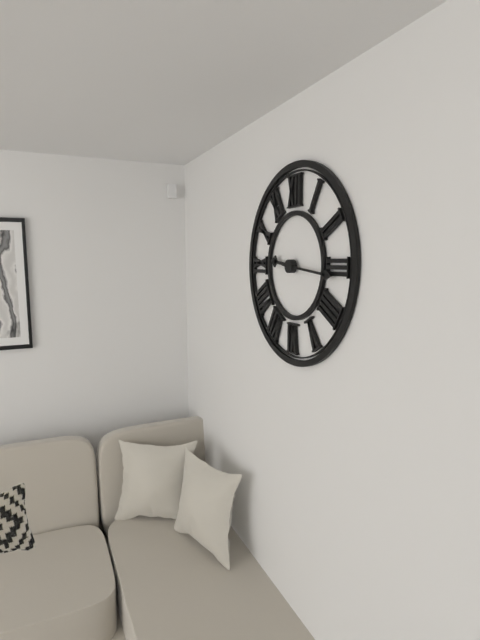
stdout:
{"hour": 9, "minute": 16}
